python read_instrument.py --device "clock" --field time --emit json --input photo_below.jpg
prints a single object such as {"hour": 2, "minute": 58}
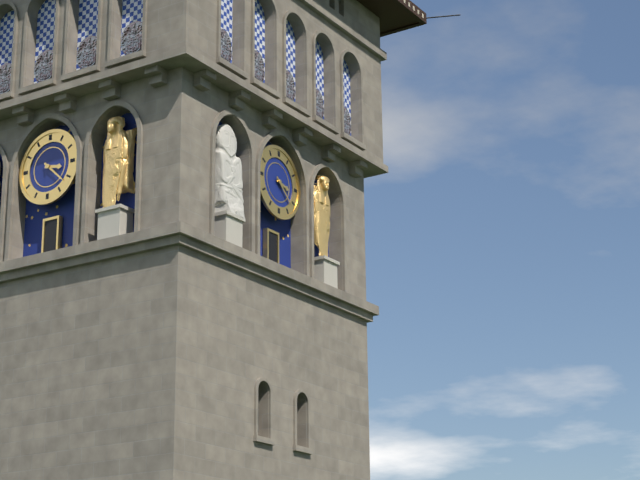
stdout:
{"hour": 3, "minute": 22}
